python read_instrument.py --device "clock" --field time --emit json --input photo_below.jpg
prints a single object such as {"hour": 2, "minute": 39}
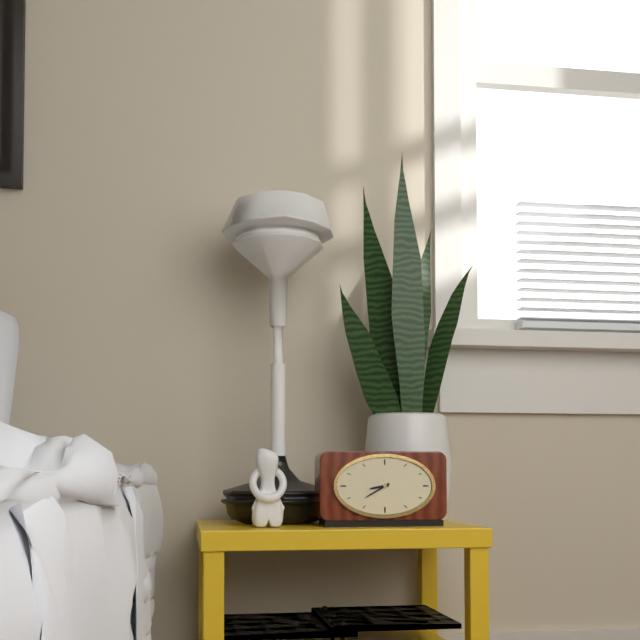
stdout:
{"hour": 8, "minute": 40}
